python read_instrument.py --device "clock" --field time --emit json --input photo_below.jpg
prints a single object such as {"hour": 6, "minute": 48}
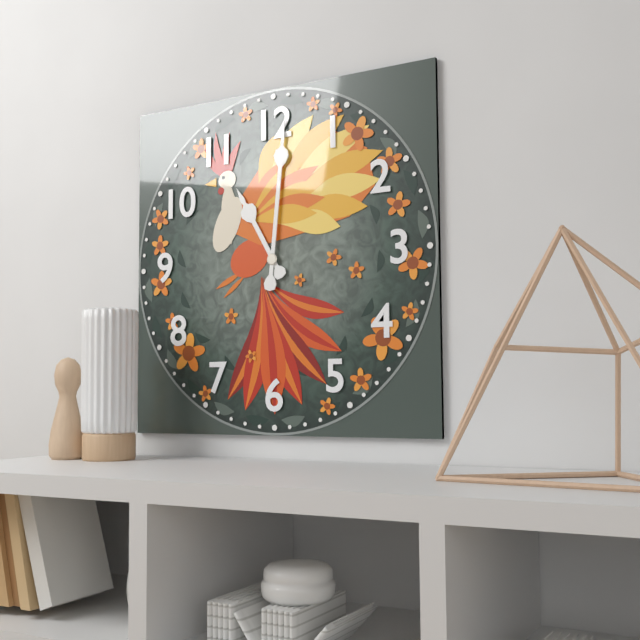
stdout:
{"hour": 11, "minute": 1}
